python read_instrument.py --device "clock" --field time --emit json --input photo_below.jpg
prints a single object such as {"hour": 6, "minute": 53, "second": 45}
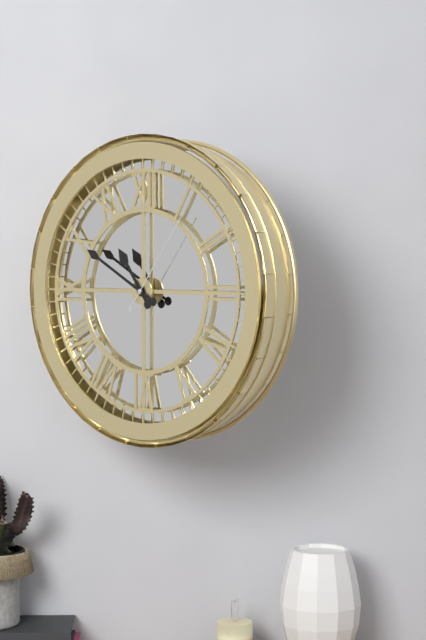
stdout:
{"hour": 10, "minute": 50, "second": 6}
